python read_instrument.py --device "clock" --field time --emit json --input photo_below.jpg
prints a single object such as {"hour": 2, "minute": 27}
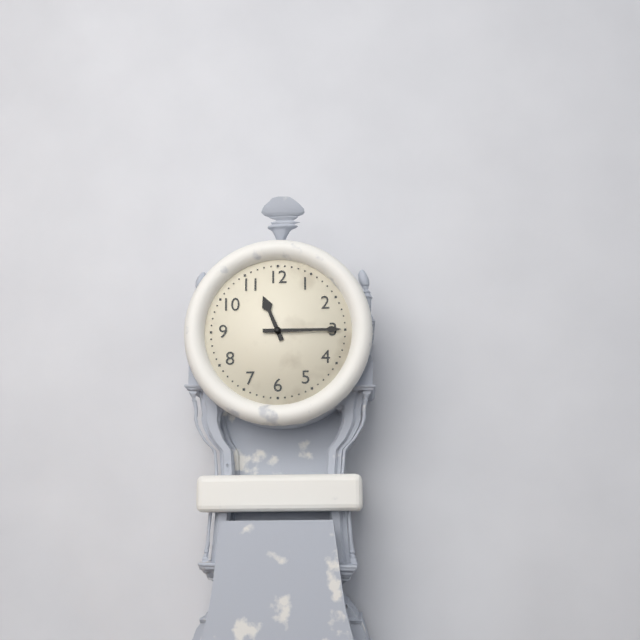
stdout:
{"hour": 11, "minute": 15}
